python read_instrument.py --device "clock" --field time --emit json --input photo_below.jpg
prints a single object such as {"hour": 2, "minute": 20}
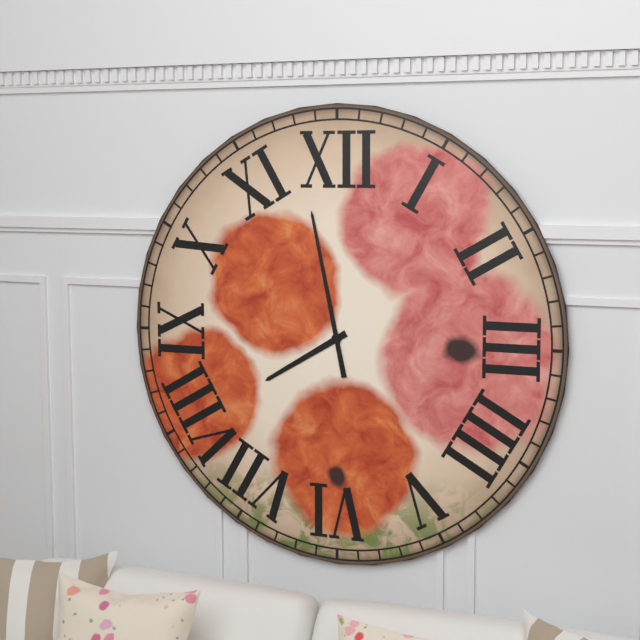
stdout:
{"hour": 7, "minute": 58}
